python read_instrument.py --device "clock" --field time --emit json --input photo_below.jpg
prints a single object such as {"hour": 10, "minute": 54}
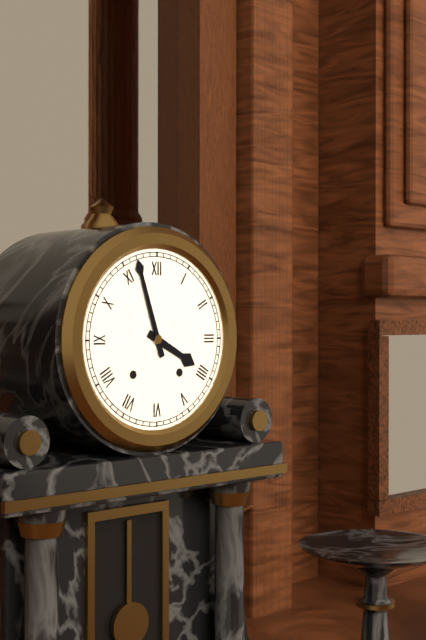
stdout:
{"hour": 3, "minute": 57}
